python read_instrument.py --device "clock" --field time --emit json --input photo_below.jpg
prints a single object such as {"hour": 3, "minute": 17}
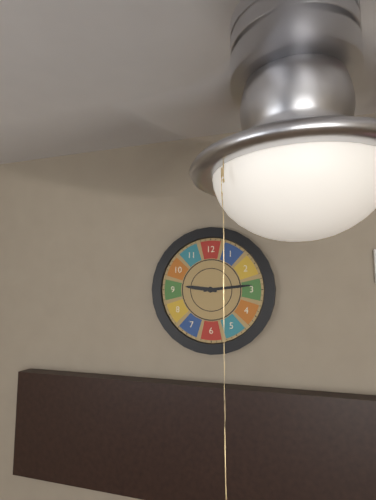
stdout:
{"hour": 9, "minute": 14}
